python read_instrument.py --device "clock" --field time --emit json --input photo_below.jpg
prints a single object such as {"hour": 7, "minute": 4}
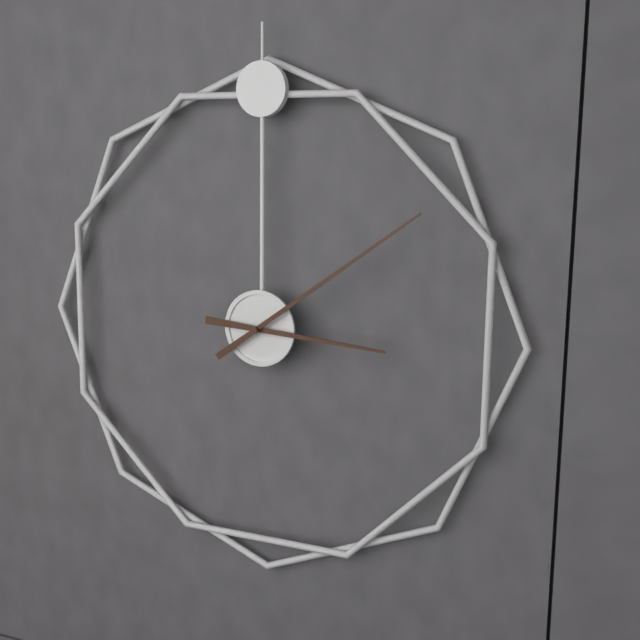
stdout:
{"hour": 3, "minute": 9}
